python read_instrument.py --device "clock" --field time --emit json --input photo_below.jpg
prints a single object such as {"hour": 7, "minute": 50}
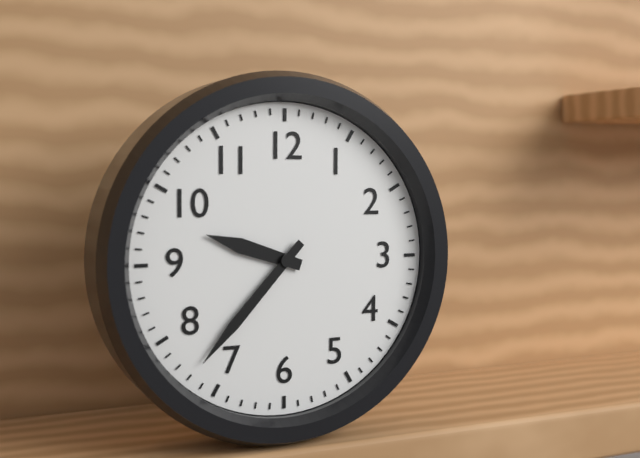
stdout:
{"hour": 9, "minute": 37}
